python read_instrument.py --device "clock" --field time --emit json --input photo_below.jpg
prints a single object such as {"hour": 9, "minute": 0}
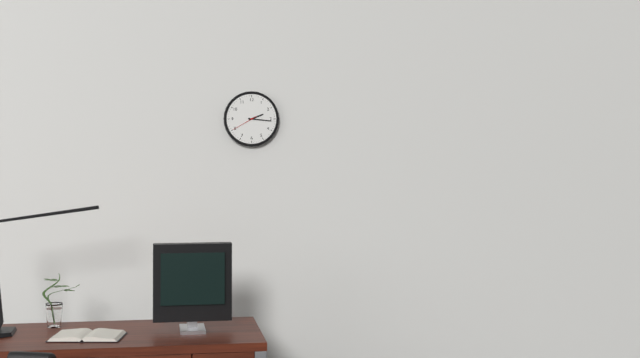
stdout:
{"hour": 2, "minute": 16}
